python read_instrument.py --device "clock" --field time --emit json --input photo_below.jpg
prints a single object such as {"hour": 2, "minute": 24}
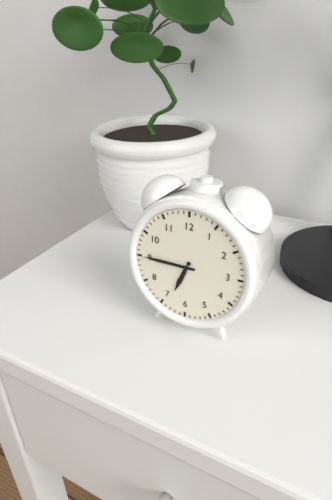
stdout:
{"hour": 6, "minute": 45}
